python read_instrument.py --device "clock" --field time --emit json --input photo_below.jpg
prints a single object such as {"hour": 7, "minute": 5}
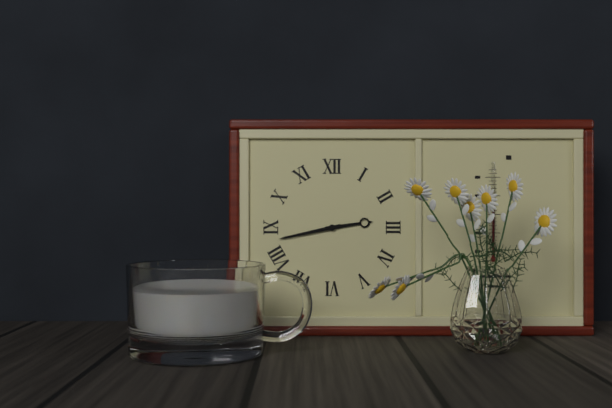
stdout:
{"hour": 2, "minute": 43}
